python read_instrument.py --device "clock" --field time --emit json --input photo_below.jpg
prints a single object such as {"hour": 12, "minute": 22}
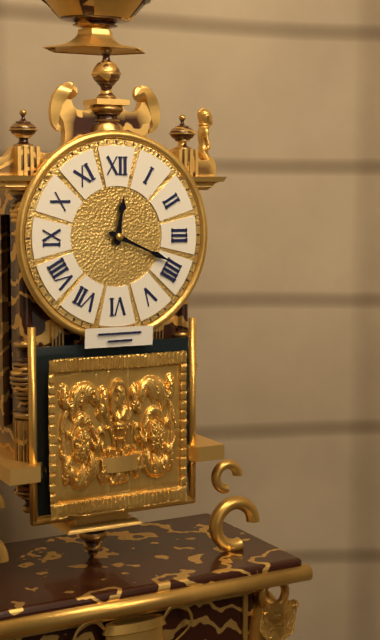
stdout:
{"hour": 12, "minute": 19}
